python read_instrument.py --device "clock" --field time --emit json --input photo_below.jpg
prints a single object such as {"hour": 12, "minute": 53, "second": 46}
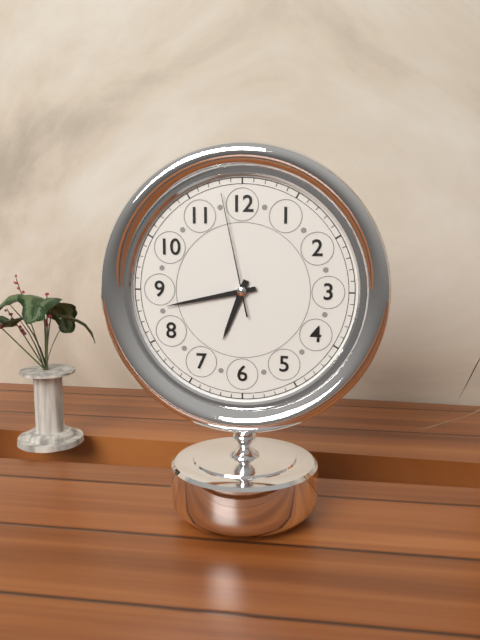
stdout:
{"hour": 6, "minute": 43, "second": 58}
